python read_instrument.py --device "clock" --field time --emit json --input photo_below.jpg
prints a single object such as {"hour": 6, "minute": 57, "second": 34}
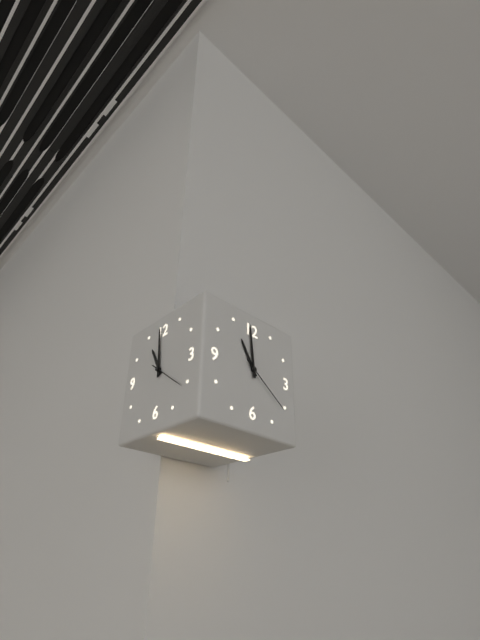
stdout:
{"hour": 10, "minute": 59, "second": 21}
